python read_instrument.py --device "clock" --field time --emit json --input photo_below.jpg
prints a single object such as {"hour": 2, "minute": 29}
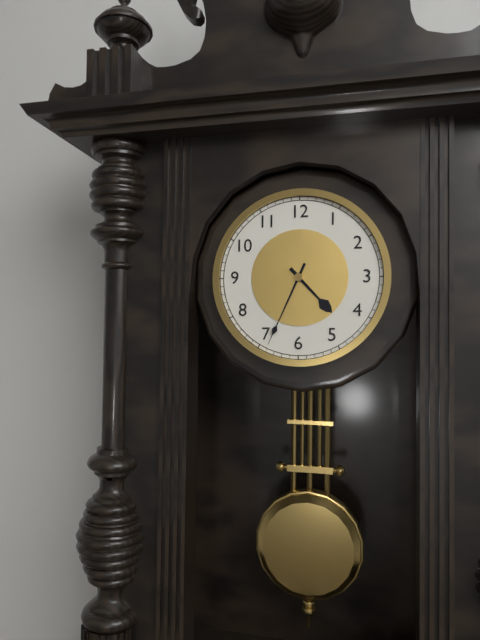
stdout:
{"hour": 4, "minute": 34}
